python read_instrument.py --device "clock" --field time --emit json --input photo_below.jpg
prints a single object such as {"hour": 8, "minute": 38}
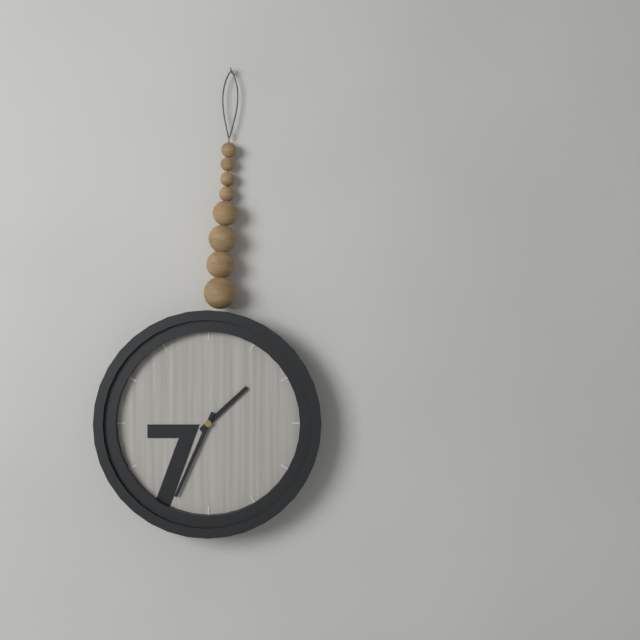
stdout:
{"hour": 1, "minute": 34}
